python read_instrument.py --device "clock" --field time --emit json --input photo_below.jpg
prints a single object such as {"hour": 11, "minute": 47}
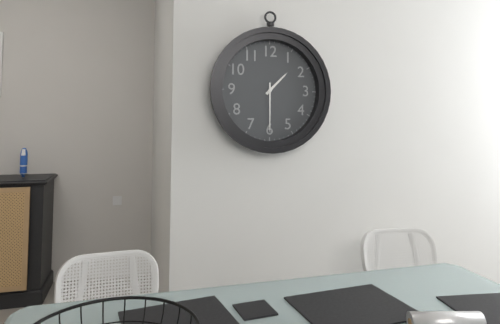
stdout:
{"hour": 1, "minute": 30}
